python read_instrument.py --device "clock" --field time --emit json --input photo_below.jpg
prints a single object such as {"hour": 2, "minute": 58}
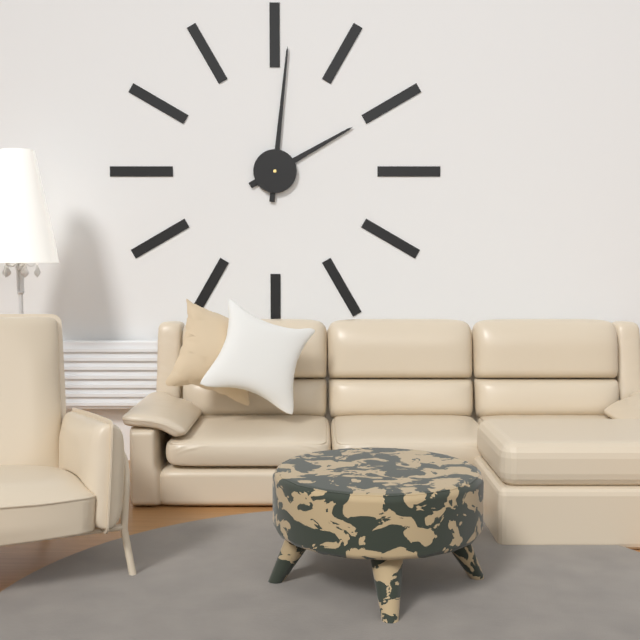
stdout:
{"hour": 2, "minute": 1}
